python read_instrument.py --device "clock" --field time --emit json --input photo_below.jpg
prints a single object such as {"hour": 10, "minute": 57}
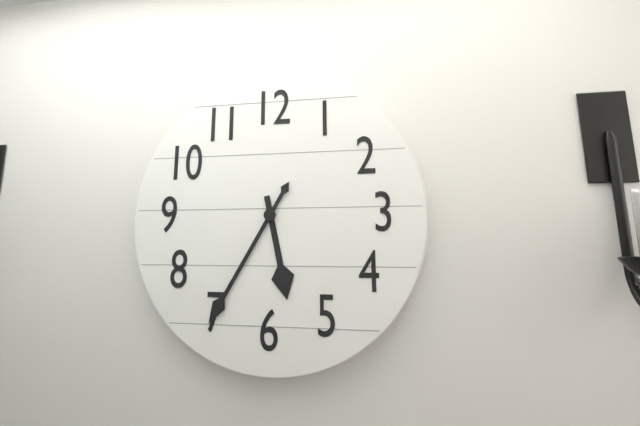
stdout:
{"hour": 5, "minute": 35}
